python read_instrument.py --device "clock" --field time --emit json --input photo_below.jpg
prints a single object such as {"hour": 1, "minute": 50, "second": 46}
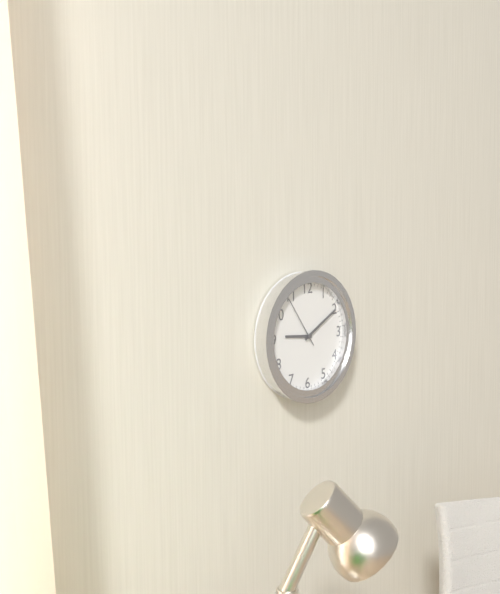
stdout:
{"hour": 9, "minute": 10, "second": 54}
